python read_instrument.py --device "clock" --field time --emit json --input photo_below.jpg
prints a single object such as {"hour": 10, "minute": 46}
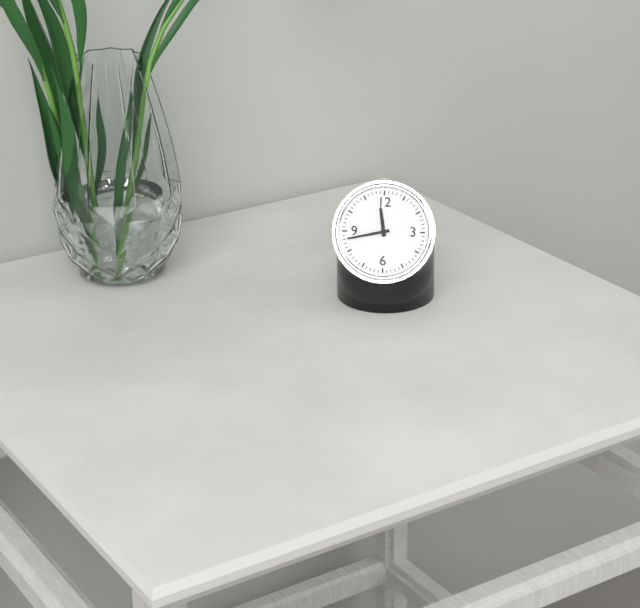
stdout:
{"hour": 11, "minute": 43}
